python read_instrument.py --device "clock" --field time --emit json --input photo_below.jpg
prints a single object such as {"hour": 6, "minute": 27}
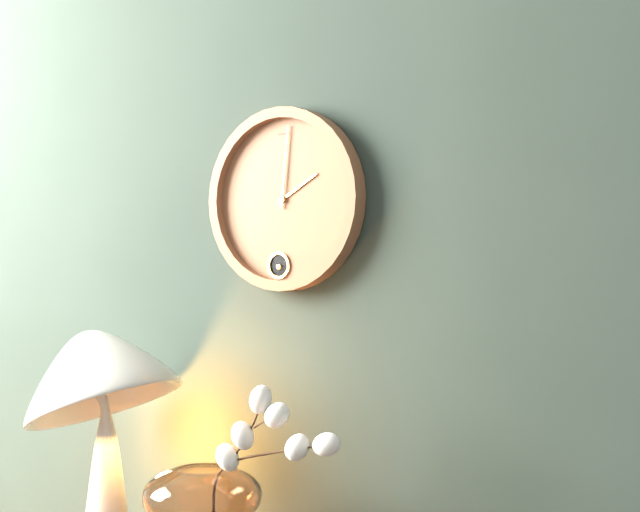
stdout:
{"hour": 2, "minute": 1}
